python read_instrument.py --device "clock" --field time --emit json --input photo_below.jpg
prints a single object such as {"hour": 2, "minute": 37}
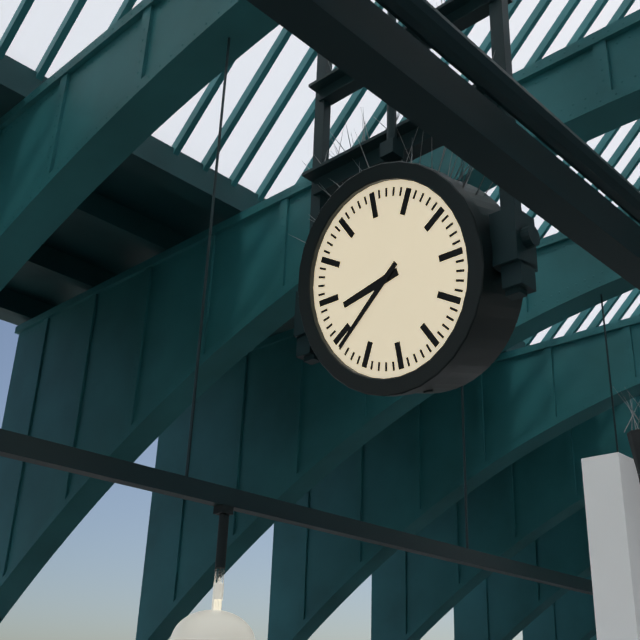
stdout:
{"hour": 8, "minute": 39}
